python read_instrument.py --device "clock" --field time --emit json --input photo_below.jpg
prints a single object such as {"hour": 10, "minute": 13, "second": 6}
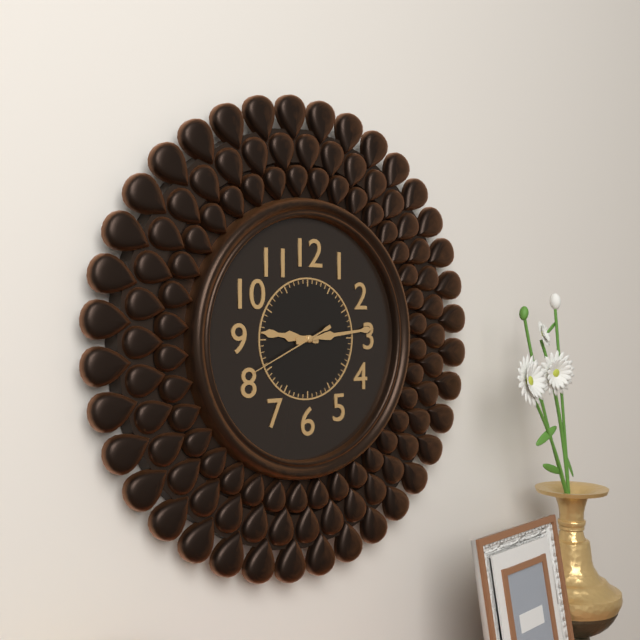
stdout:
{"hour": 9, "minute": 14, "second": 41}
